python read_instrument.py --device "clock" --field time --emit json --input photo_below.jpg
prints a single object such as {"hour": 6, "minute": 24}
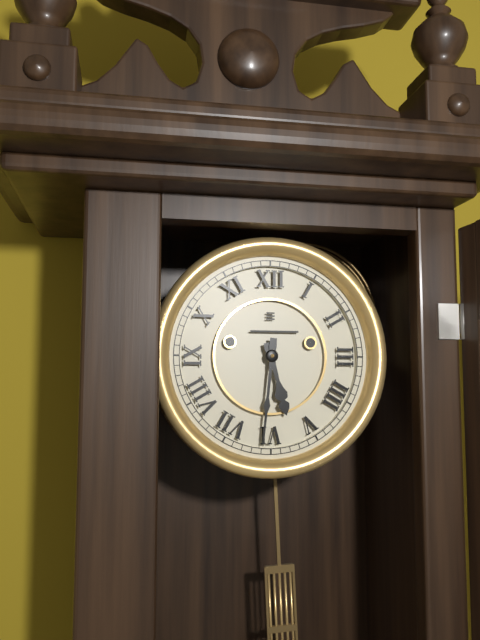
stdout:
{"hour": 5, "minute": 31}
